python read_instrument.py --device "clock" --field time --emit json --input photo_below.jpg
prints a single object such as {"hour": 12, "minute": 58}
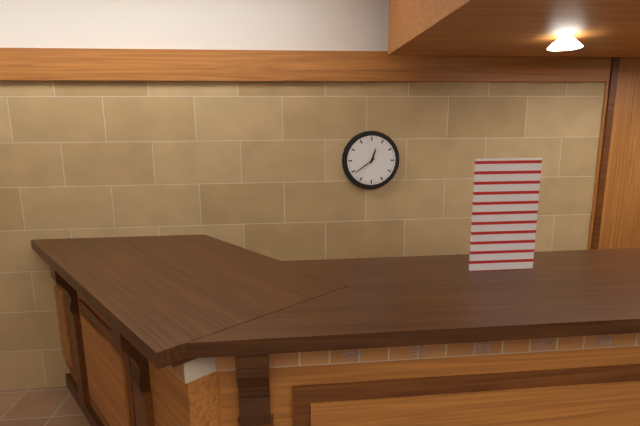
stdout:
{"hour": 12, "minute": 39}
